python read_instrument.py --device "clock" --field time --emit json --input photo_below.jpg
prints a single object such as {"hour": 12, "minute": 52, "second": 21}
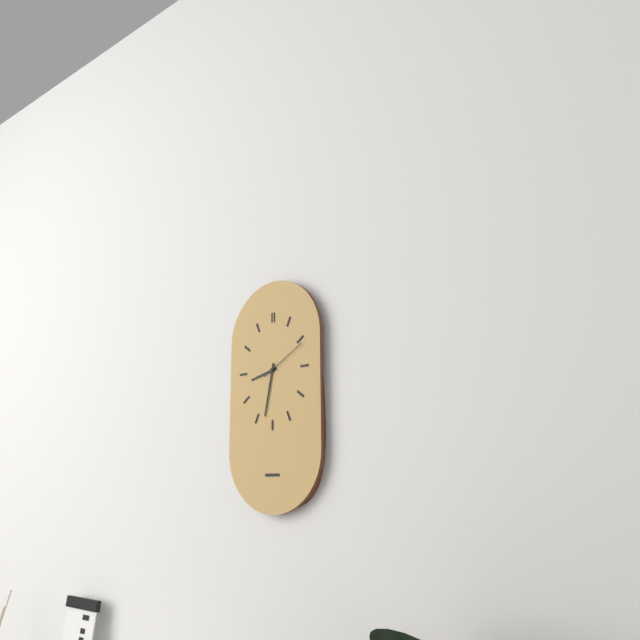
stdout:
{"hour": 8, "minute": 32, "second": 10}
